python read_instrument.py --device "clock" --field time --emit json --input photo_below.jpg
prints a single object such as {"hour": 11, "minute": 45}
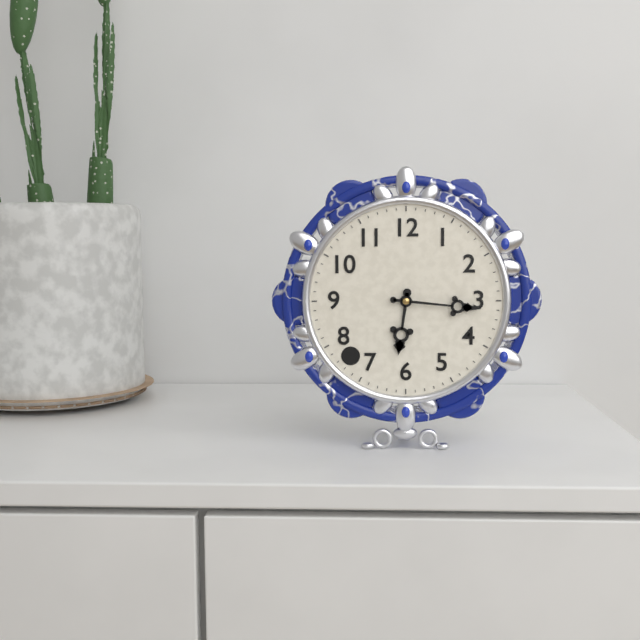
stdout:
{"hour": 6, "minute": 16}
